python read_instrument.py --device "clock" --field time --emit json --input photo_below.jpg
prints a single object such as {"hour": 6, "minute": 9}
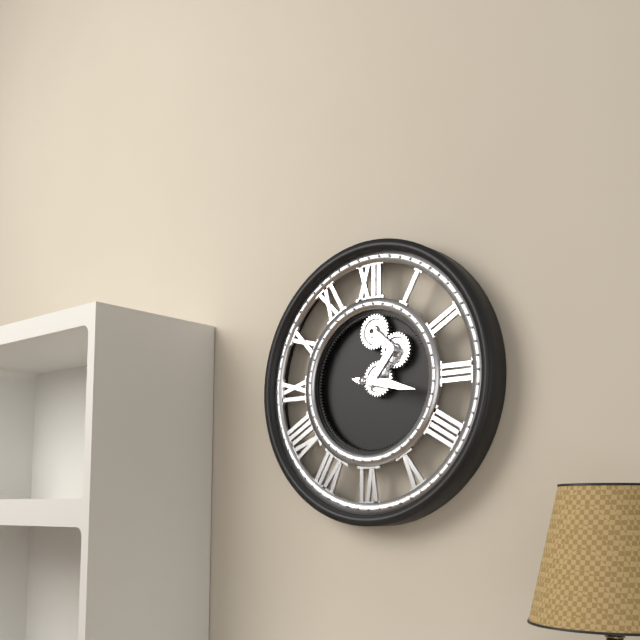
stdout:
{"hour": 3, "minute": 17}
